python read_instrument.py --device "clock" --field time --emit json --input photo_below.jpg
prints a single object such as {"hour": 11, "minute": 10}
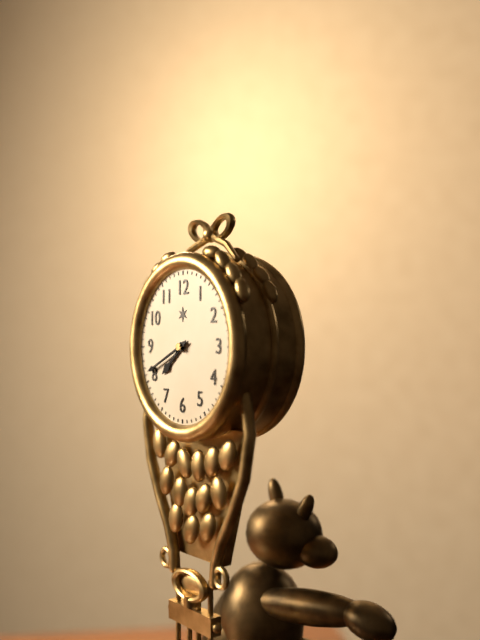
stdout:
{"hour": 7, "minute": 41}
